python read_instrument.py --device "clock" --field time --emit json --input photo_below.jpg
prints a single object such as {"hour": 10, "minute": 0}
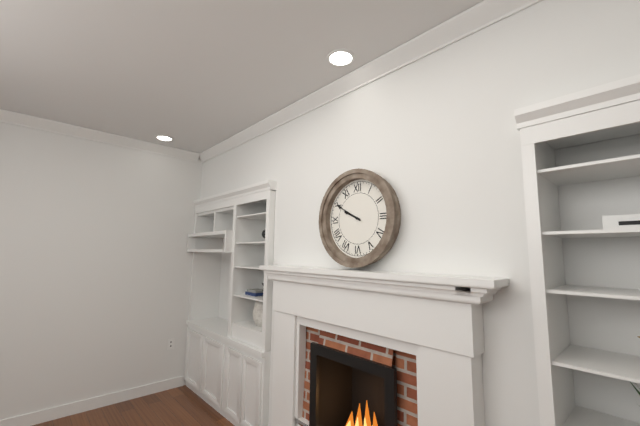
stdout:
{"hour": 9, "minute": 50}
